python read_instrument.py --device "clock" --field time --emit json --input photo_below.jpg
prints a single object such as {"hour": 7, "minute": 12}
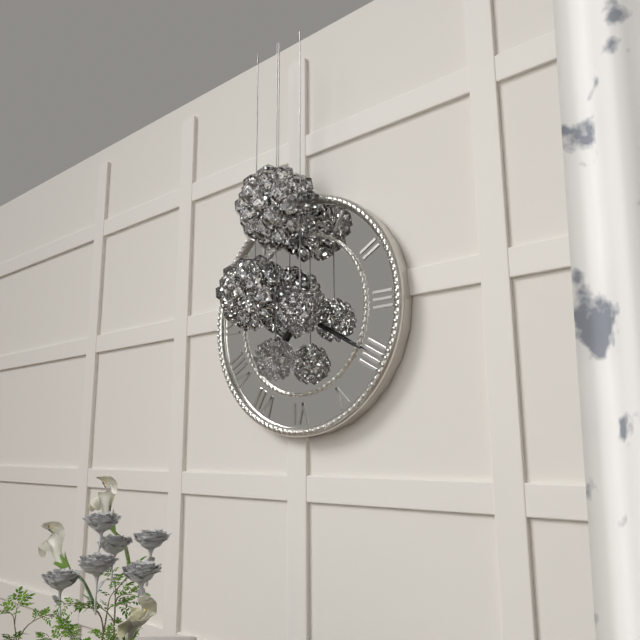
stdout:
{"hour": 7, "minute": 20}
